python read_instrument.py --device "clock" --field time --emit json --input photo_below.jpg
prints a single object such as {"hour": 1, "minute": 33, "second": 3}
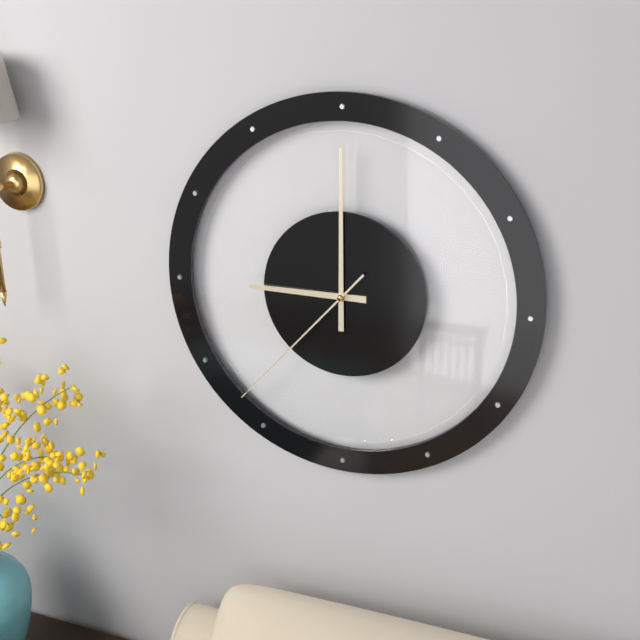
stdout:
{"hour": 9, "minute": 0, "second": 37}
